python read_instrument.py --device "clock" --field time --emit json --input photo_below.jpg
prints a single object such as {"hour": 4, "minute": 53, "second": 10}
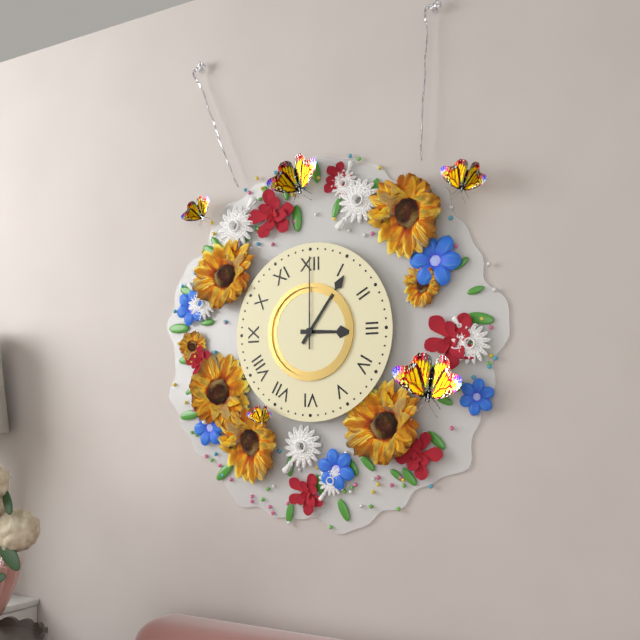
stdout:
{"hour": 3, "minute": 6, "second": 0}
